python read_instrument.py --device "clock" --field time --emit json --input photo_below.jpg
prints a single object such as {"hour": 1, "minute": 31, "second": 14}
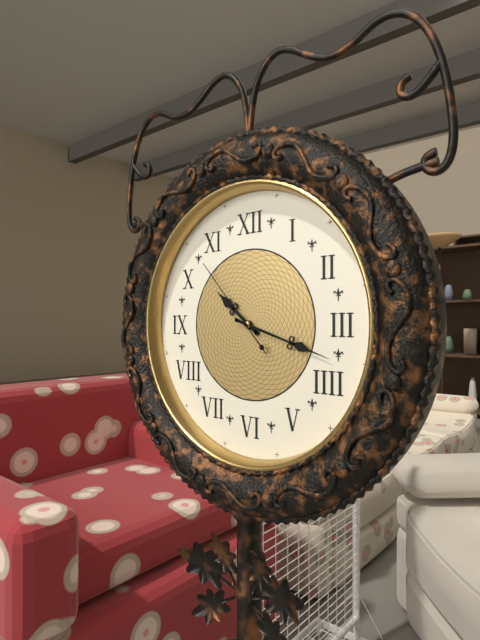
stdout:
{"hour": 10, "minute": 18, "second": 53}
